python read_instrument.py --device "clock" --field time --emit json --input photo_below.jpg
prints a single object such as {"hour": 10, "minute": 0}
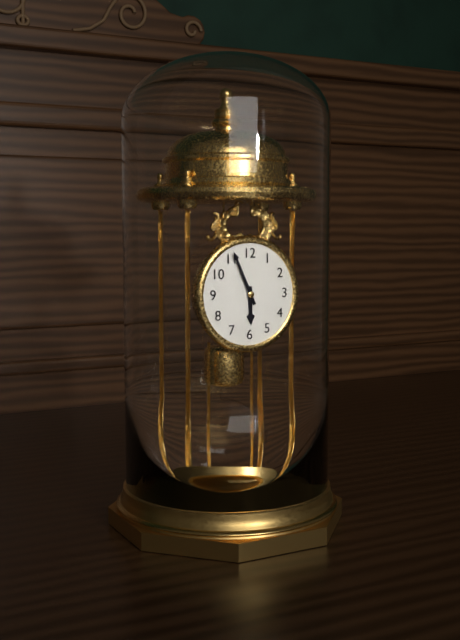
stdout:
{"hour": 5, "minute": 56}
